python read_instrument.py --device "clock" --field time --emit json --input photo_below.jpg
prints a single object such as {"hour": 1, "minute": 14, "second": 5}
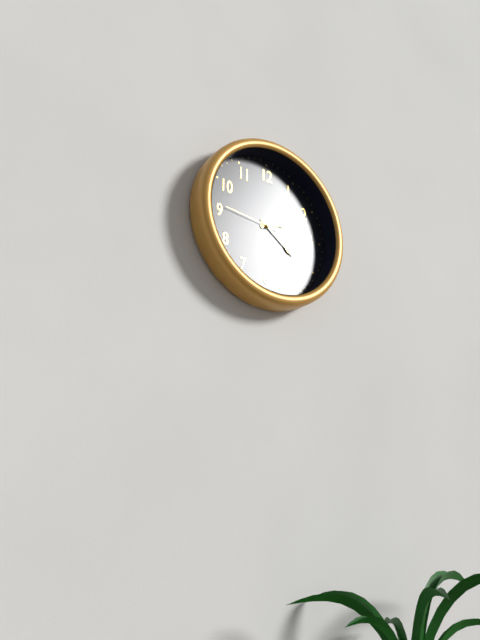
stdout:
{"hour": 2, "minute": 21, "second": 46}
